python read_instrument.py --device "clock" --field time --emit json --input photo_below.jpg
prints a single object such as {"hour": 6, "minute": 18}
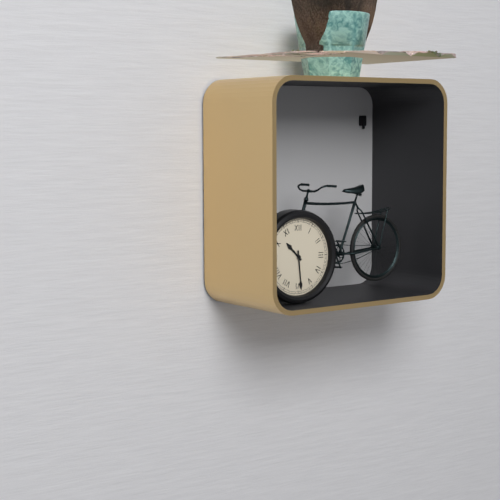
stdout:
{"hour": 10, "minute": 29}
